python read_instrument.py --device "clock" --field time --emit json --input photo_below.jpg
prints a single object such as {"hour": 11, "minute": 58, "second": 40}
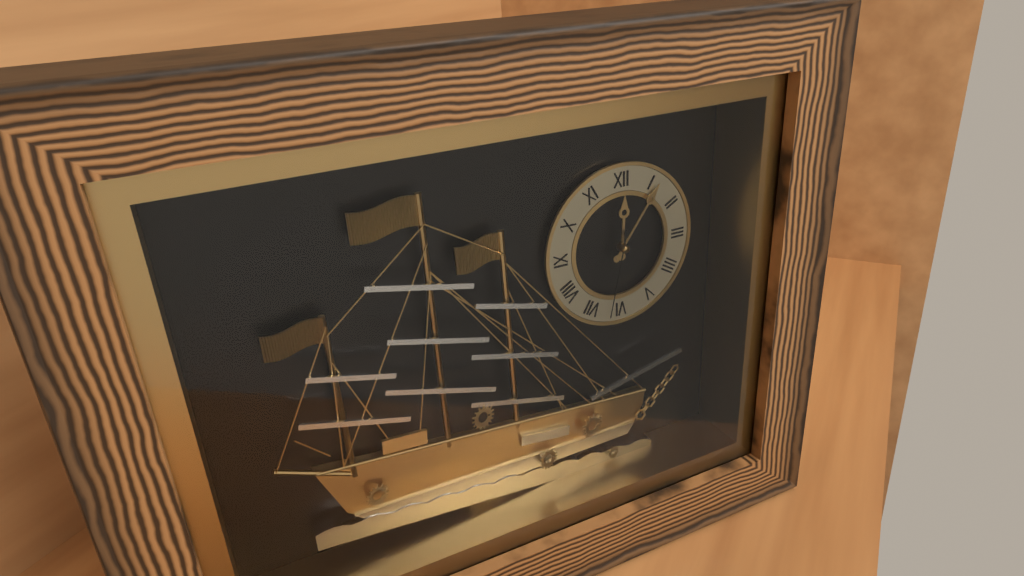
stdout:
{"hour": 12, "minute": 6, "second": 32}
